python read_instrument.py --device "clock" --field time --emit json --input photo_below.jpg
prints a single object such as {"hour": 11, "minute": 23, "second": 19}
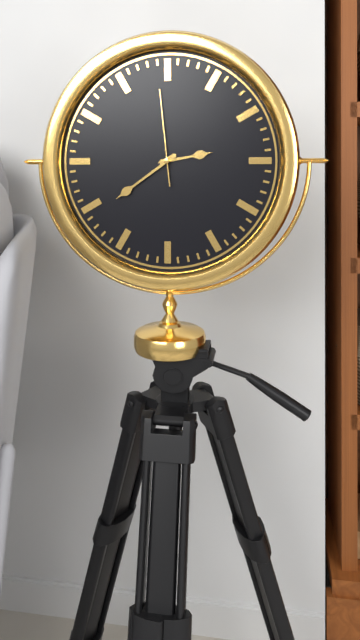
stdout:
{"hour": 2, "minute": 39, "second": 59}
